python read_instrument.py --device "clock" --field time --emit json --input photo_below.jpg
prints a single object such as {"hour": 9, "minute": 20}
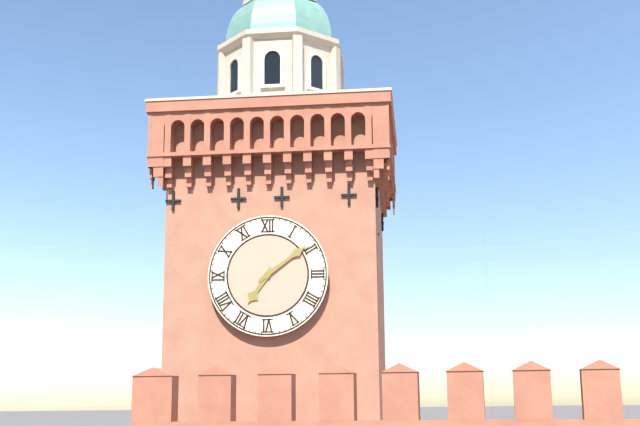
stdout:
{"hour": 7, "minute": 9}
